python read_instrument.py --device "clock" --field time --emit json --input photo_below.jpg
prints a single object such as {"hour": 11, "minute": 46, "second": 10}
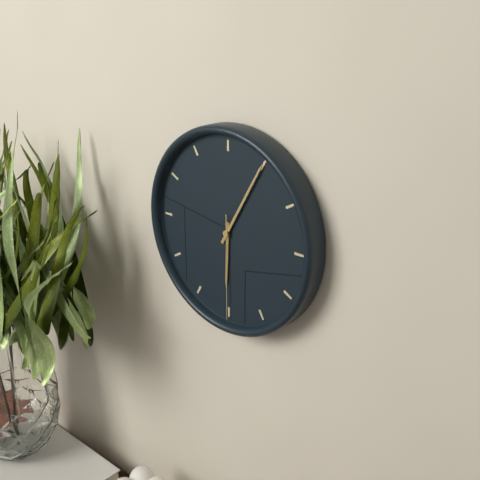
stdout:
{"hour": 6, "minute": 5, "second": 30}
